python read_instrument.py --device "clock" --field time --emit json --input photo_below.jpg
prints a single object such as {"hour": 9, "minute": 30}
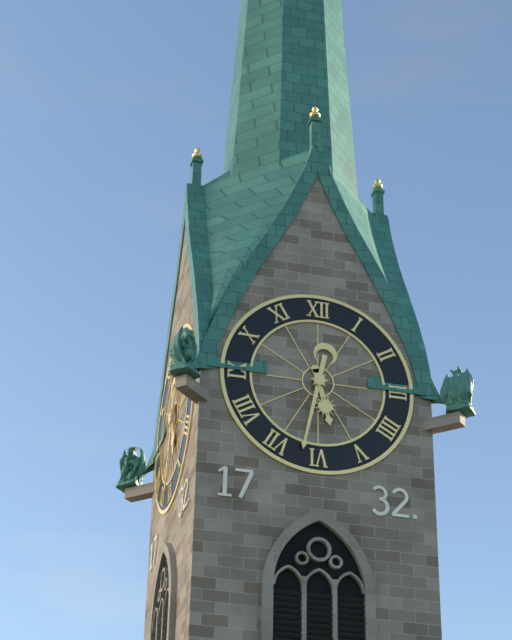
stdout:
{"hour": 5, "minute": 32}
